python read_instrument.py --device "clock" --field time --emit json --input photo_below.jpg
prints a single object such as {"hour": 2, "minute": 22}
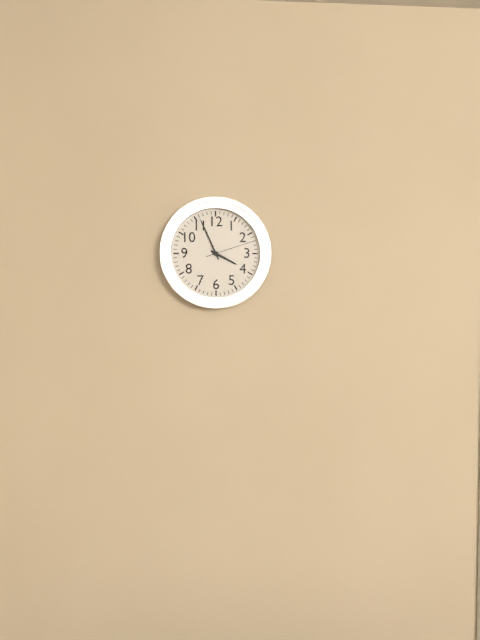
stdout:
{"hour": 3, "minute": 56}
